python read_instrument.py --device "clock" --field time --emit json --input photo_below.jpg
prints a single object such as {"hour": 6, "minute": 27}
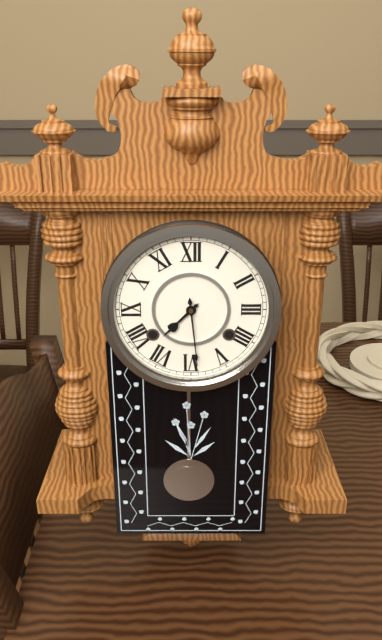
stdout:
{"hour": 7, "minute": 29}
